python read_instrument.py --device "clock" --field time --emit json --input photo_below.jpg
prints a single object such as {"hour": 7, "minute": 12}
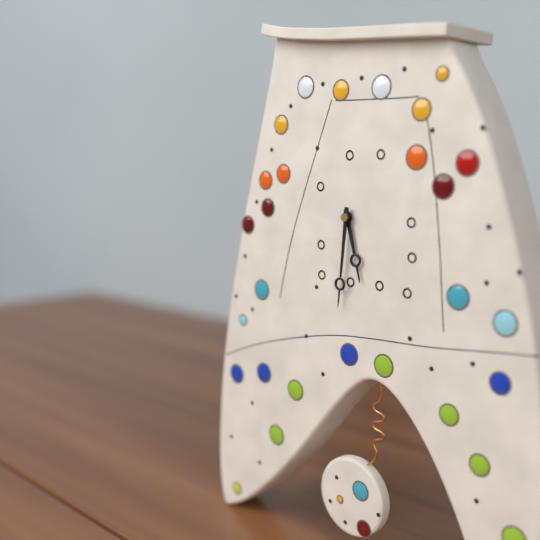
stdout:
{"hour": 5, "minute": 31}
